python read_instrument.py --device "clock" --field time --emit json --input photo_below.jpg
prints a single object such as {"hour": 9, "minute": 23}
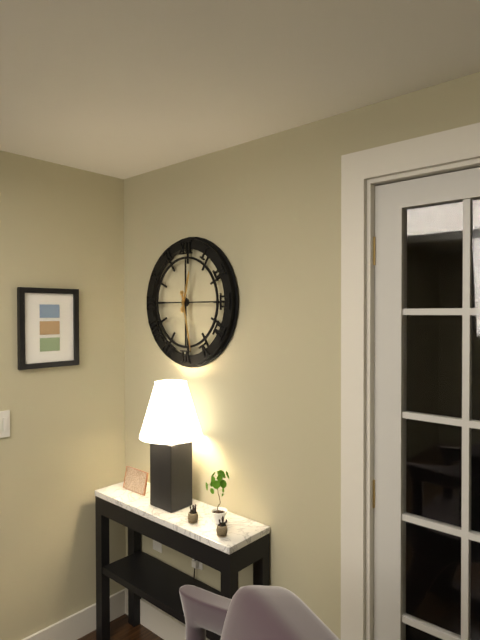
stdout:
{"hour": 12, "minute": 28}
